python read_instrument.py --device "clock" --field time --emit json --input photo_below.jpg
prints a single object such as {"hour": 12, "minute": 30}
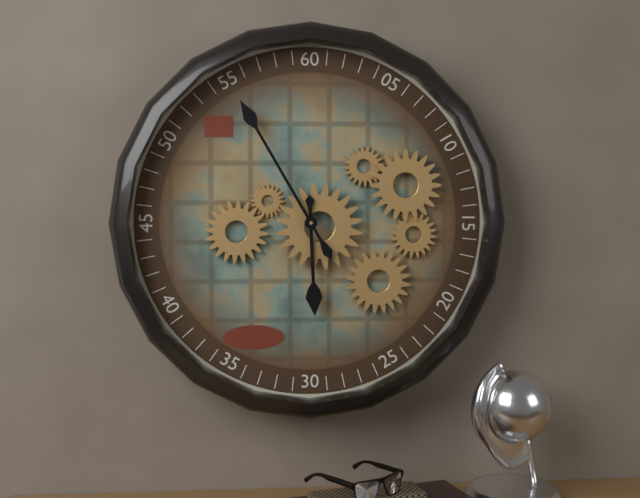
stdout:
{"hour": 5, "minute": 55}
